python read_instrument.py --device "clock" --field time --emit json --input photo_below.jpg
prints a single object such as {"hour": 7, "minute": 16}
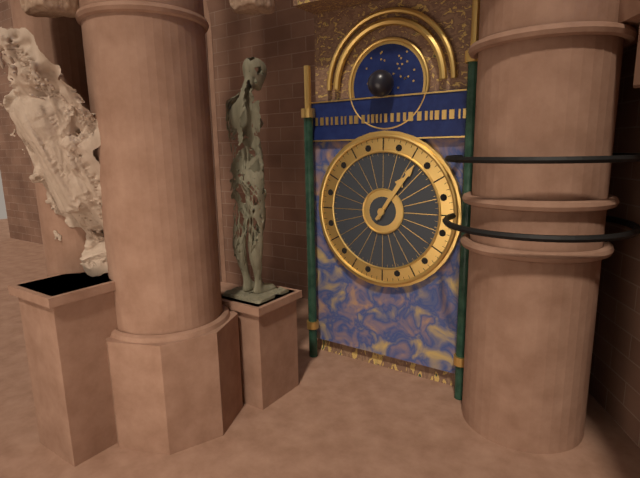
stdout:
{"hour": 1, "minute": 6}
